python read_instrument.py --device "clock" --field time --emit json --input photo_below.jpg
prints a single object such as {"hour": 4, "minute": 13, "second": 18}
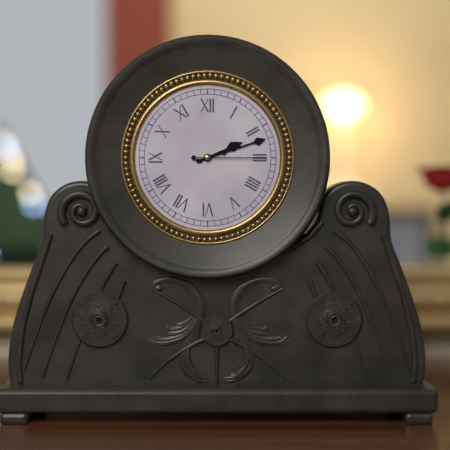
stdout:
{"hour": 2, "minute": 12, "second": 15}
